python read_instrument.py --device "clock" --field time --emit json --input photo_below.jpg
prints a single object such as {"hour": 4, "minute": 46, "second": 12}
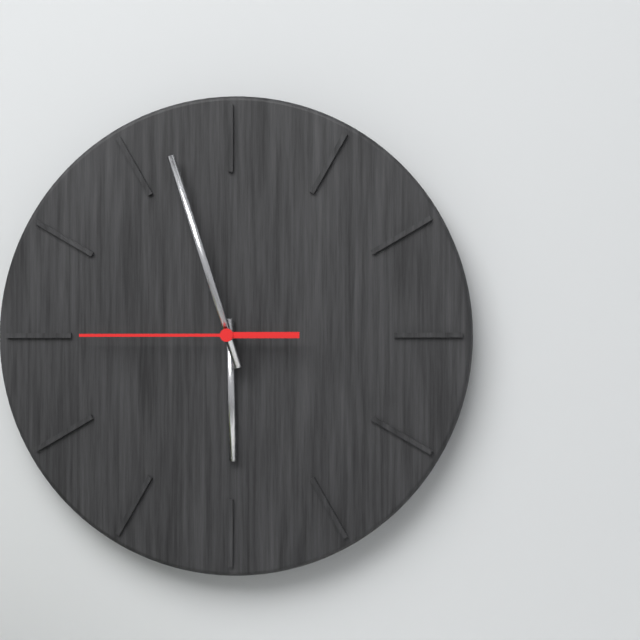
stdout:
{"hour": 5, "minute": 57, "second": 45}
